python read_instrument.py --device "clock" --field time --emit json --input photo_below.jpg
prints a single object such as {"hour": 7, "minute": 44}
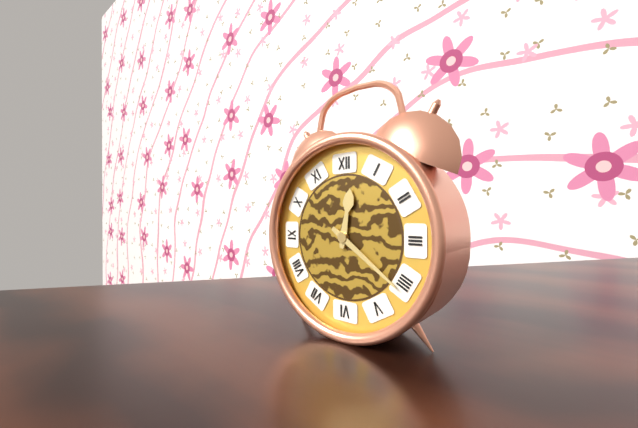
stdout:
{"hour": 12, "minute": 21}
